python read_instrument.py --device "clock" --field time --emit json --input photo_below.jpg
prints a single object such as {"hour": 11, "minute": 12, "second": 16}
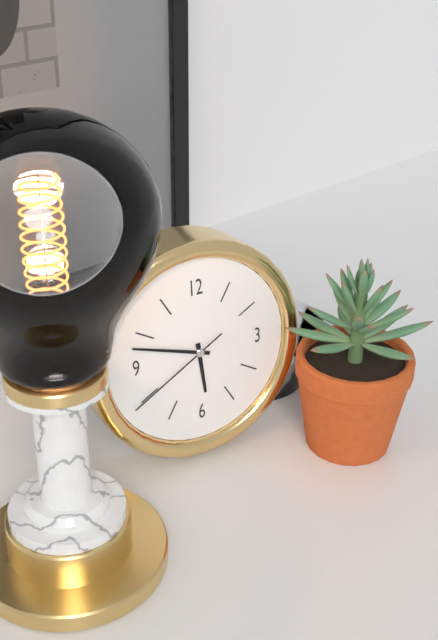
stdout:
{"hour": 5, "minute": 48, "second": 40}
